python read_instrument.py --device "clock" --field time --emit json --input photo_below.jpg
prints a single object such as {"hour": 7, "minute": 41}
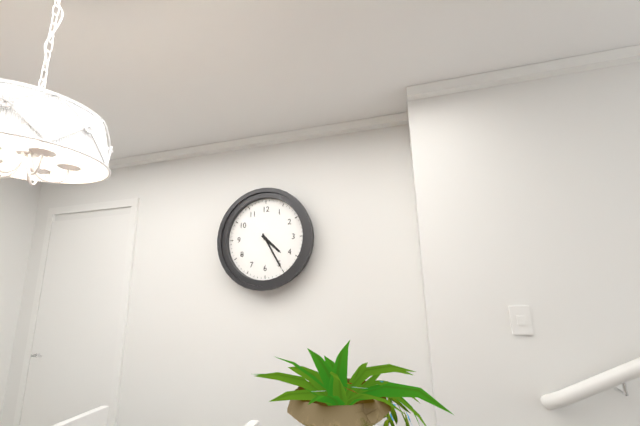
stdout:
{"hour": 4, "minute": 25}
